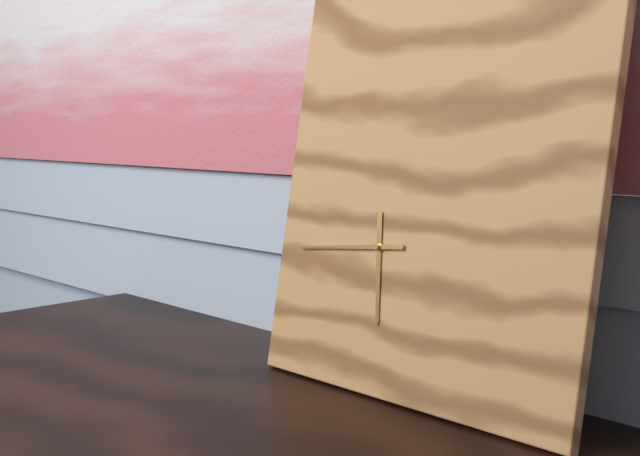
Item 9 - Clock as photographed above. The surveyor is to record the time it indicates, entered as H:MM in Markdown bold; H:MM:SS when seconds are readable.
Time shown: **5:44**
